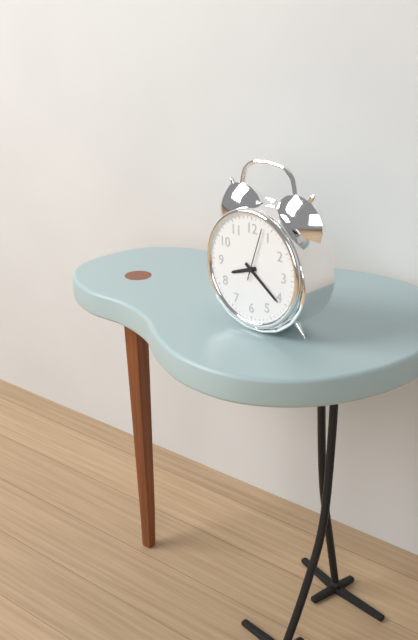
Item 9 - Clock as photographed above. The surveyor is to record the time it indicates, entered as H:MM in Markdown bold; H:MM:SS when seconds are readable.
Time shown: **8:21:03**
